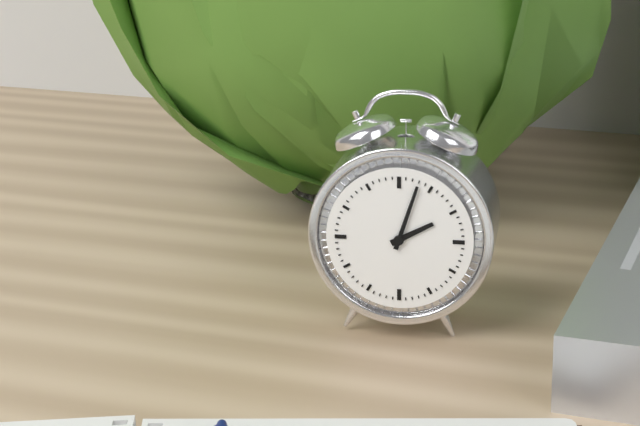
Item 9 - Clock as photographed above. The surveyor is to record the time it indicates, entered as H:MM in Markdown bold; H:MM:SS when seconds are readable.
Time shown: **2:03**
